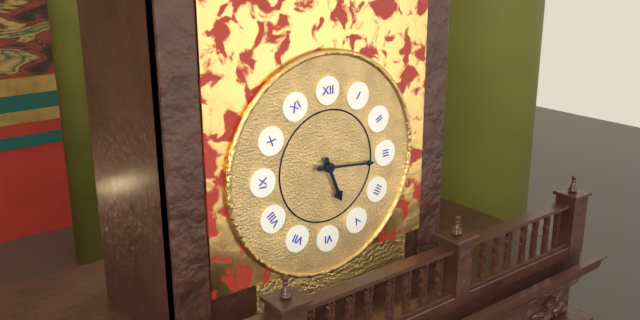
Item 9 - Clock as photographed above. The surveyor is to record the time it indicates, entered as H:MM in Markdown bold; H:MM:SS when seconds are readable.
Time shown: **5:16**
